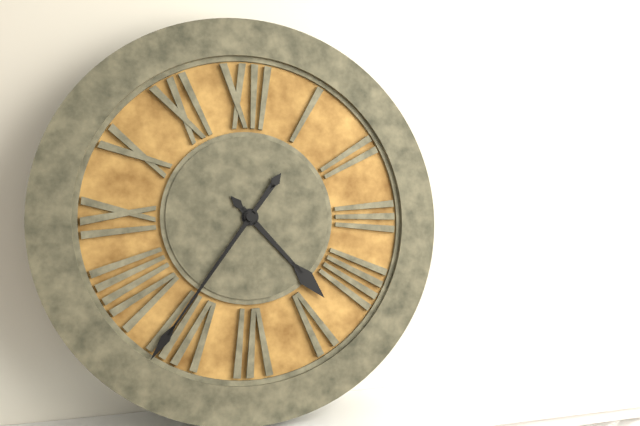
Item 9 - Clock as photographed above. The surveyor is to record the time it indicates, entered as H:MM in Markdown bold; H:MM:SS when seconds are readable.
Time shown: **4:36**
